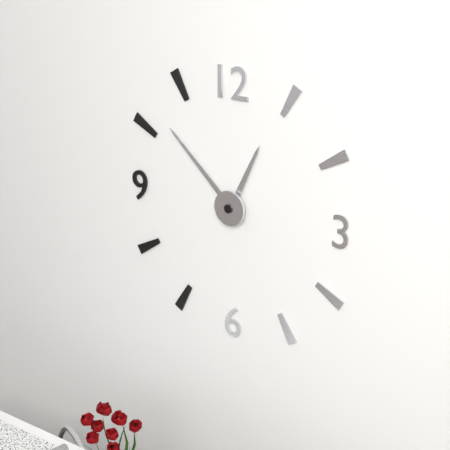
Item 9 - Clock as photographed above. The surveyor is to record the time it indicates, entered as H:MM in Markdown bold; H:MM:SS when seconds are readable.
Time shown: **12:52**
